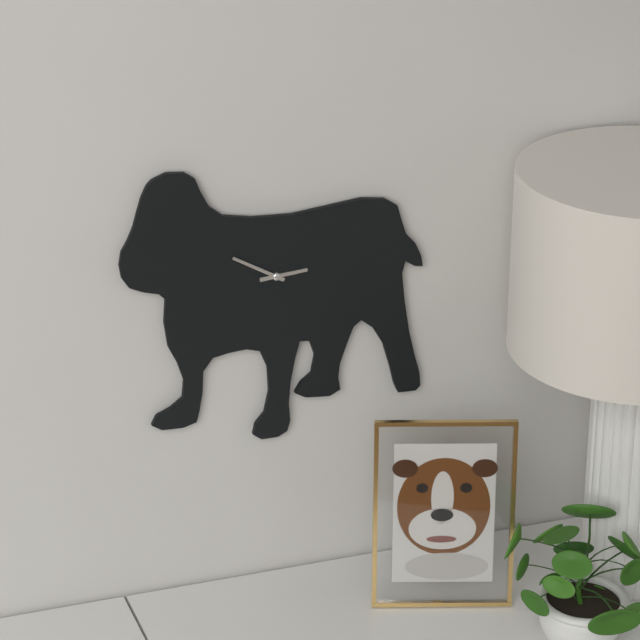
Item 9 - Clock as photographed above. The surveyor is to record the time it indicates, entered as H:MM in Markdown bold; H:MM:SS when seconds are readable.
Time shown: **2:50**
